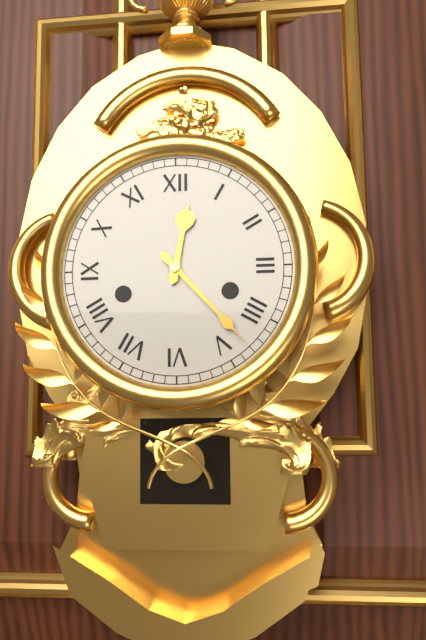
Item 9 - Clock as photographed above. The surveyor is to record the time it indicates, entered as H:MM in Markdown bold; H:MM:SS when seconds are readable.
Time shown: **12:23**
